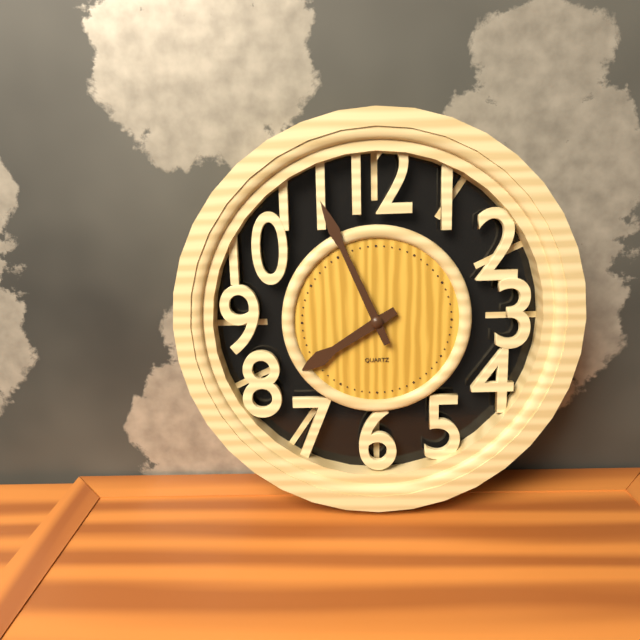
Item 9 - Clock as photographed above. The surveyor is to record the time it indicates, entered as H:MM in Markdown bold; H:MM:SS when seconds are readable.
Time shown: **7:56**
